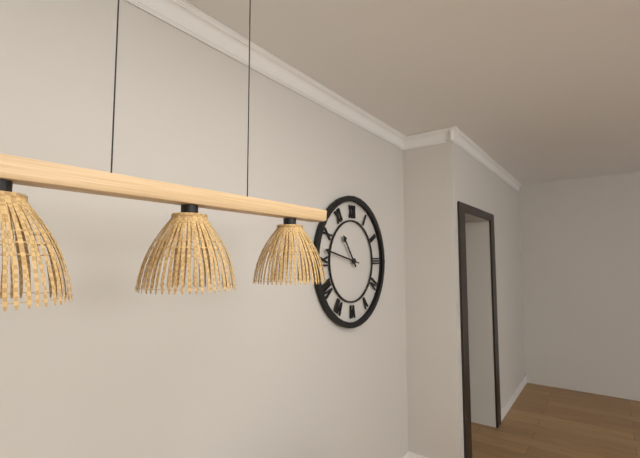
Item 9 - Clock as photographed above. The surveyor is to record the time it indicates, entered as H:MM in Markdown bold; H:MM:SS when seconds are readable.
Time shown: **10:47**
